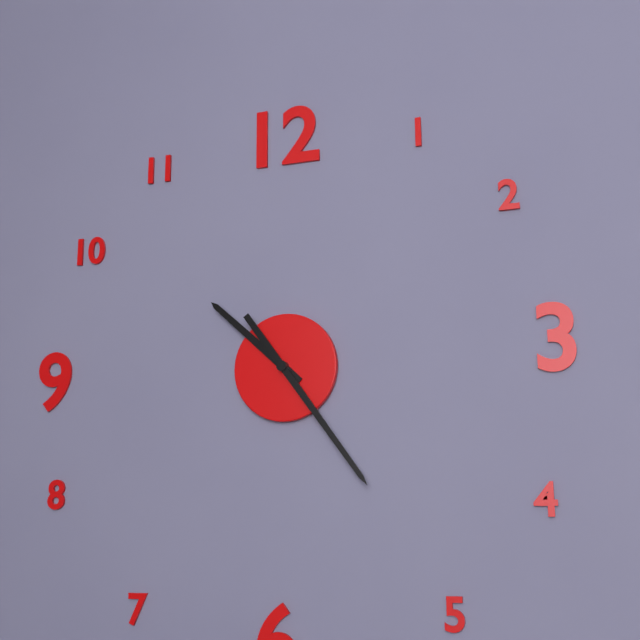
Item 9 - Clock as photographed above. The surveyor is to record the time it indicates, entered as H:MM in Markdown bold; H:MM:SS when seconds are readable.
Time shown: **10:24**
